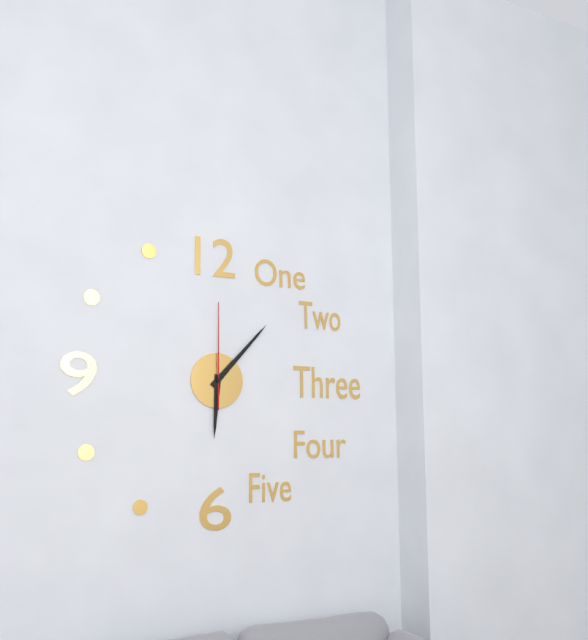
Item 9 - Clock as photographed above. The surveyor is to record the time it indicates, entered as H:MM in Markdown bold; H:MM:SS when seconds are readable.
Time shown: **6:07:00**
